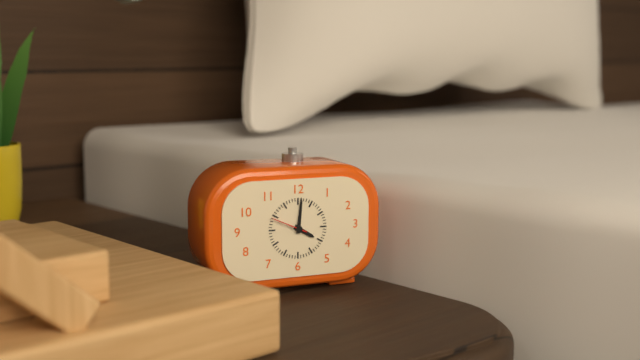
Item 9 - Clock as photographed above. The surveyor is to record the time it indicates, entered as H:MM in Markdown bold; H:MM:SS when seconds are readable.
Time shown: **4:01**
